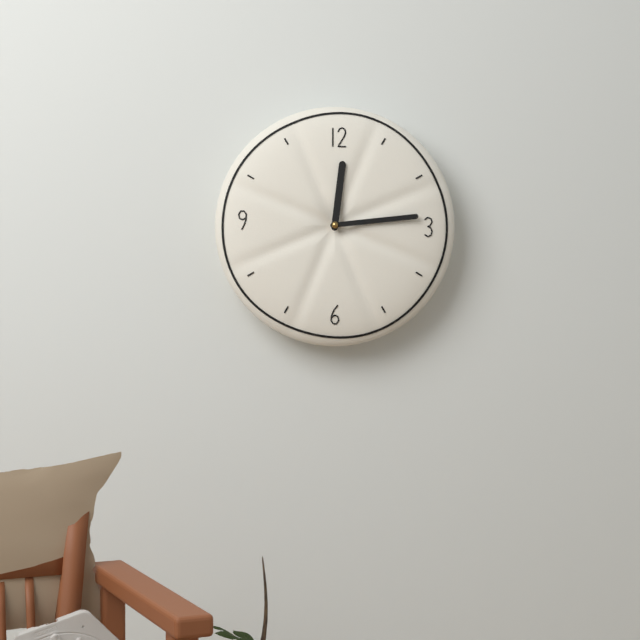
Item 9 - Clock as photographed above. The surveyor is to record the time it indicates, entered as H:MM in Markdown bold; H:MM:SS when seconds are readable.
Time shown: **12:14**
